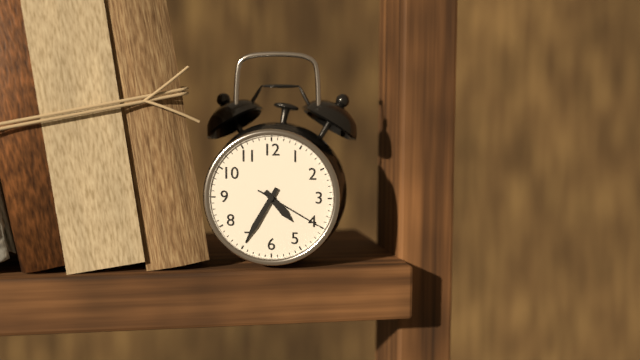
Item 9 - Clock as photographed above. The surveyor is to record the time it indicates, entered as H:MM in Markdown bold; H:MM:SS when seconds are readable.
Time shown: **4:35:20**
